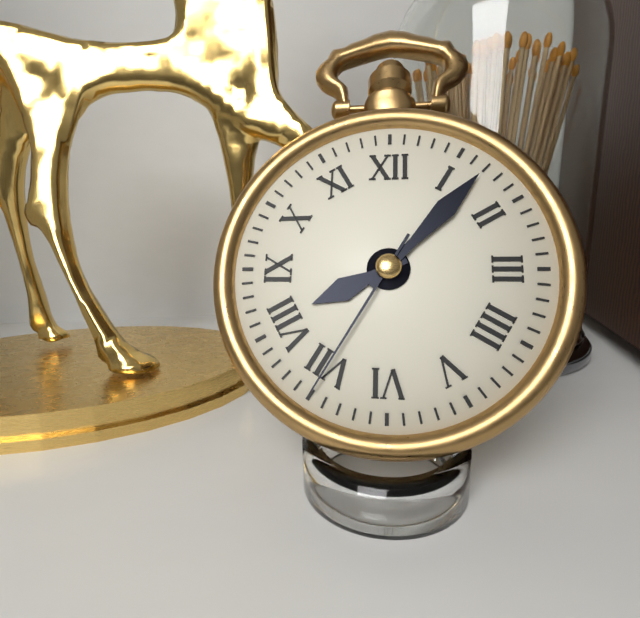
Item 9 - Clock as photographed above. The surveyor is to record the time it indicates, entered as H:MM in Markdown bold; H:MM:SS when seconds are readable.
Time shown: **8:07:35**
